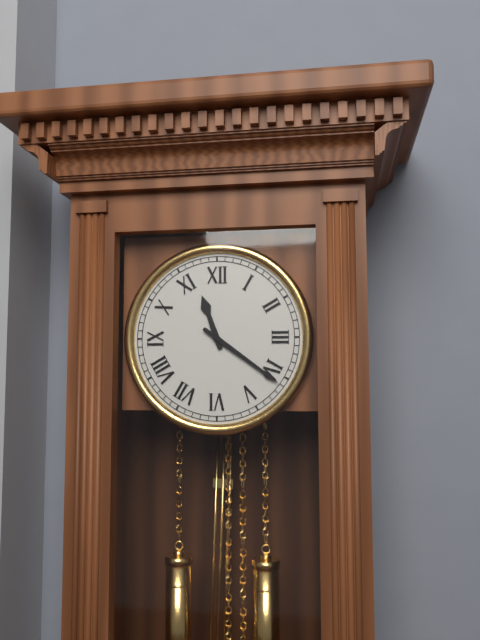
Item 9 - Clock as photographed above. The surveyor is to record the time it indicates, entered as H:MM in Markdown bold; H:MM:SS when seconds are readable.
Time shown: **11:21**
